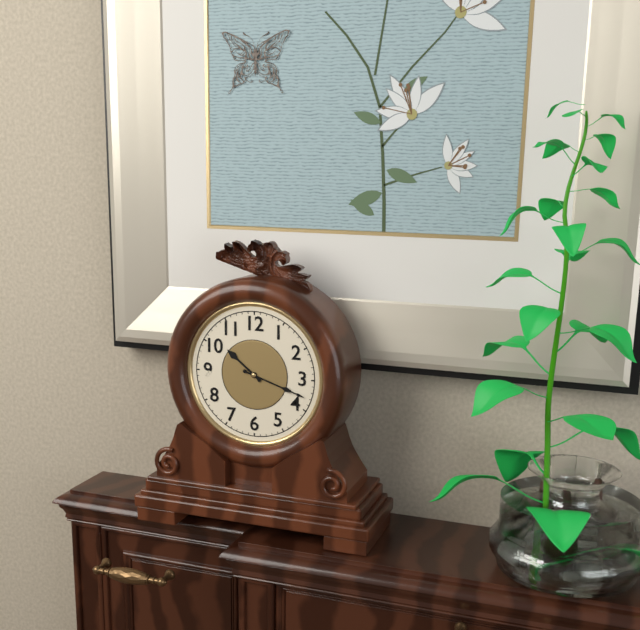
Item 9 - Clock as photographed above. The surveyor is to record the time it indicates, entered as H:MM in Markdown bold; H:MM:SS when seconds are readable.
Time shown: **10:18**
